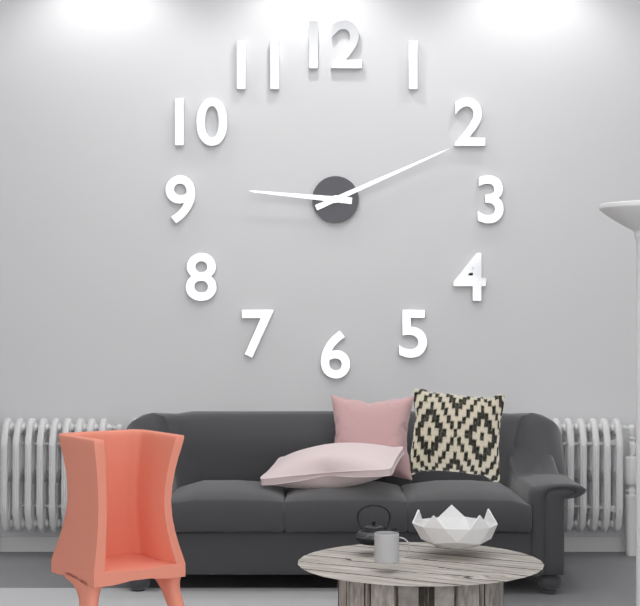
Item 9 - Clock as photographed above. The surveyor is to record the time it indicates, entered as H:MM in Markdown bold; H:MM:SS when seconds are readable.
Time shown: **9:11**
